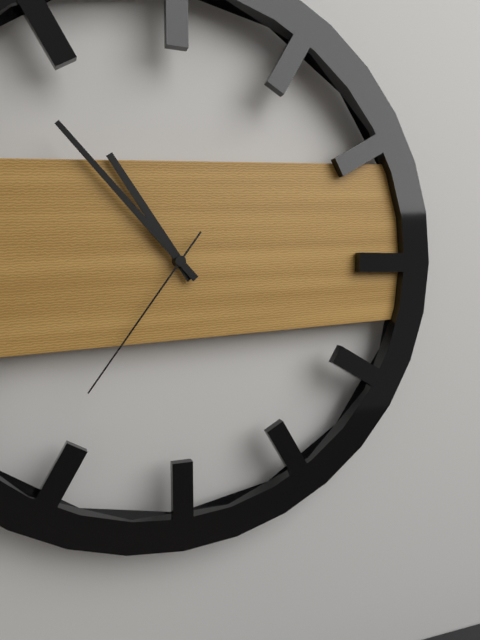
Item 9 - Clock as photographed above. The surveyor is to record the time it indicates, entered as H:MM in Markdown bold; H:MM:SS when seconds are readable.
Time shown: **10:53:36**
